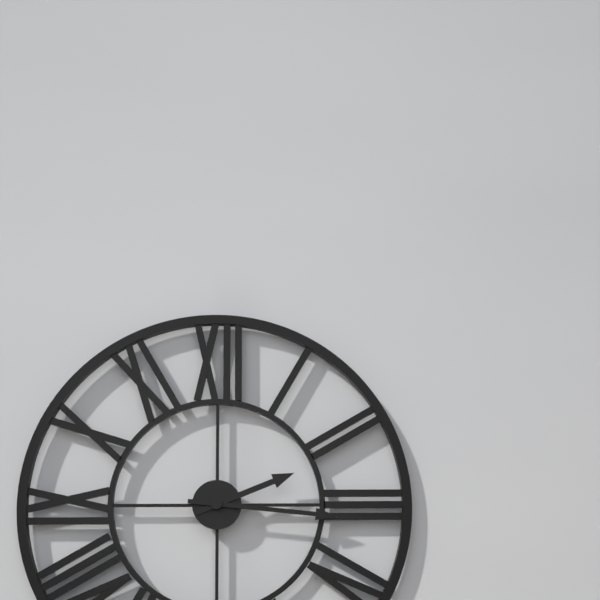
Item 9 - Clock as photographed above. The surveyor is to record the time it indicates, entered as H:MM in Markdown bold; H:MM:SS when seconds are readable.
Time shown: **2:16**
